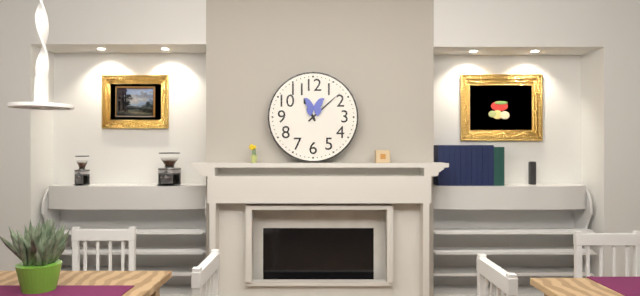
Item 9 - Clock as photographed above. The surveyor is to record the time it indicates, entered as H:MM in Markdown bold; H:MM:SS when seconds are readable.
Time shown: **11:08**
